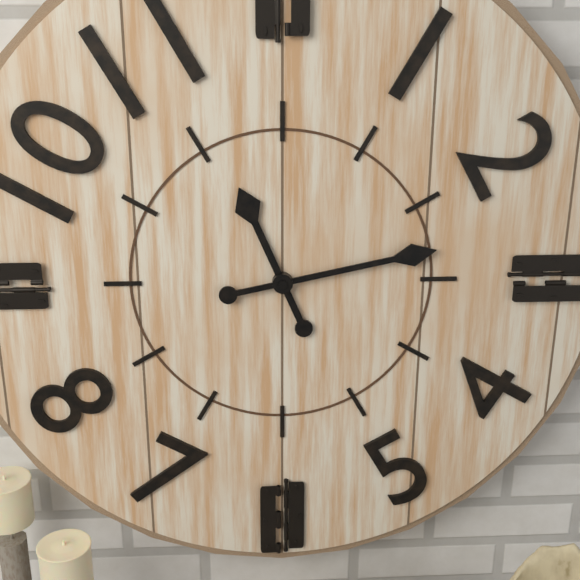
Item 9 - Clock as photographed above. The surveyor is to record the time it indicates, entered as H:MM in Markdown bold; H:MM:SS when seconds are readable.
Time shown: **11:13**
